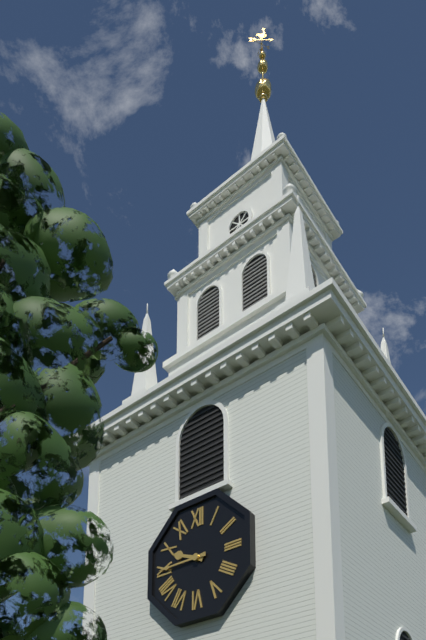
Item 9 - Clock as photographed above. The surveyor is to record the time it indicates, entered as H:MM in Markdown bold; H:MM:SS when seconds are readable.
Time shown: **9:45**
